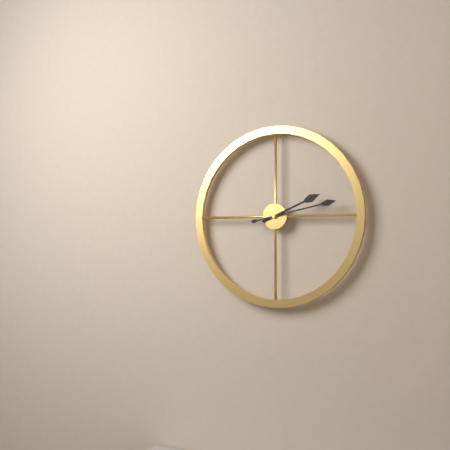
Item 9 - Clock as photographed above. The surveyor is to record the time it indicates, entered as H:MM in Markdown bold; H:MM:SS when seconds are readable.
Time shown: **2:13**
